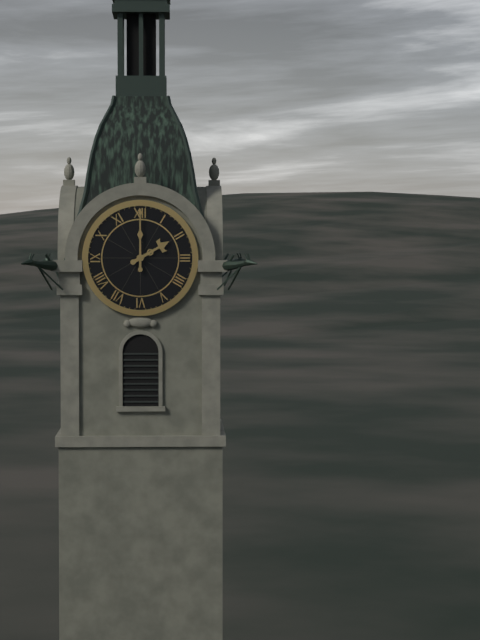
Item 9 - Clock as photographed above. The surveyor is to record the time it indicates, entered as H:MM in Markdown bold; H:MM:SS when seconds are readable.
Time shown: **2:00**
